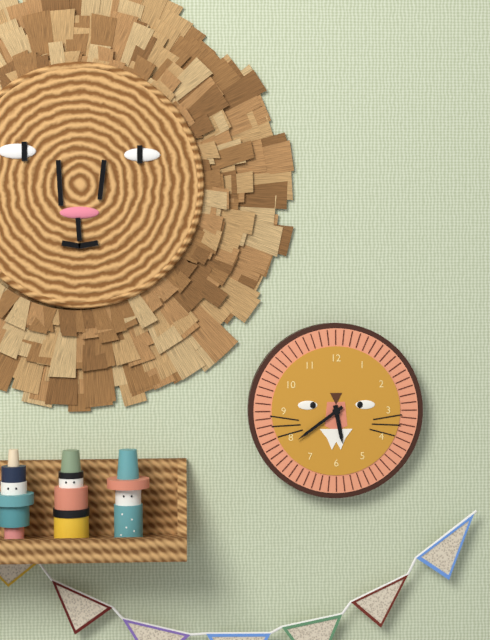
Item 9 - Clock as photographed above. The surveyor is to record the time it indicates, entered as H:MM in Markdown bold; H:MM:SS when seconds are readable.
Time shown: **5:39**
